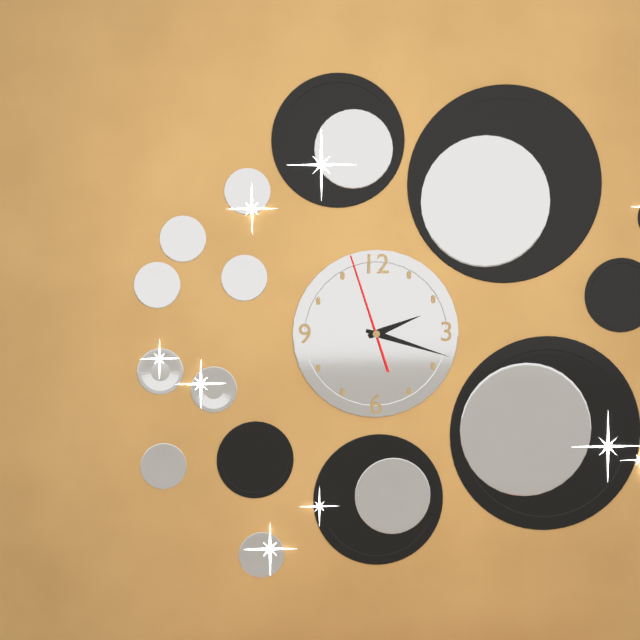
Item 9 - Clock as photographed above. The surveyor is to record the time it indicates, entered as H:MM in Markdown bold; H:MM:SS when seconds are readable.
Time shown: **2:18:57**
